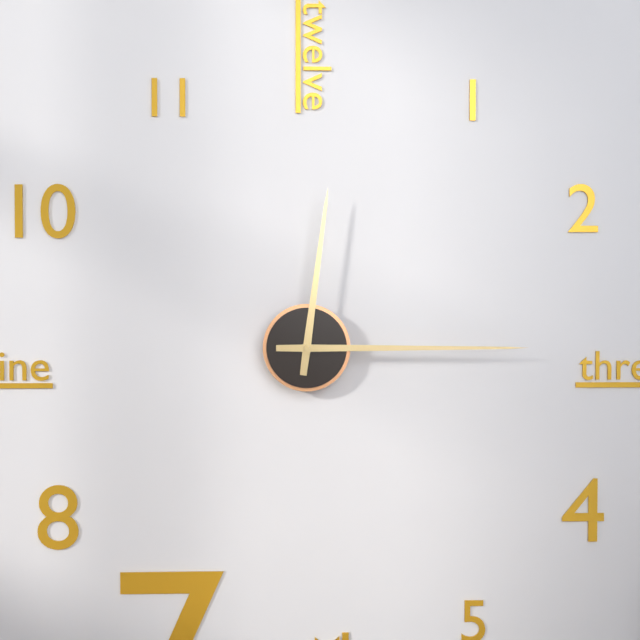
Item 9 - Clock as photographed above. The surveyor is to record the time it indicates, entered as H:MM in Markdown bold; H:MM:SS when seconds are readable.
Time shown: **12:15**
